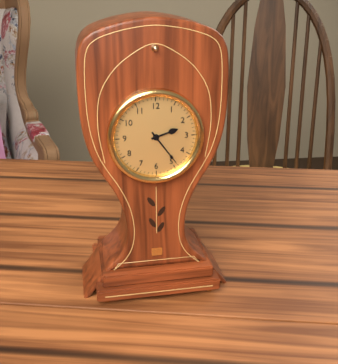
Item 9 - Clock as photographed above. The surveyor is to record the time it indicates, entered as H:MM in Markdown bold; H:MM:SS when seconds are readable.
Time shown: **2:24**
